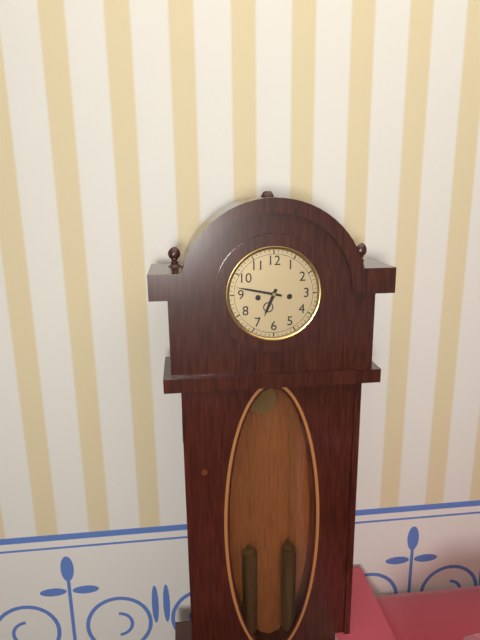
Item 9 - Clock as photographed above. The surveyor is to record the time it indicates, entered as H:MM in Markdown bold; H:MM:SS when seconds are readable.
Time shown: **6:47**
